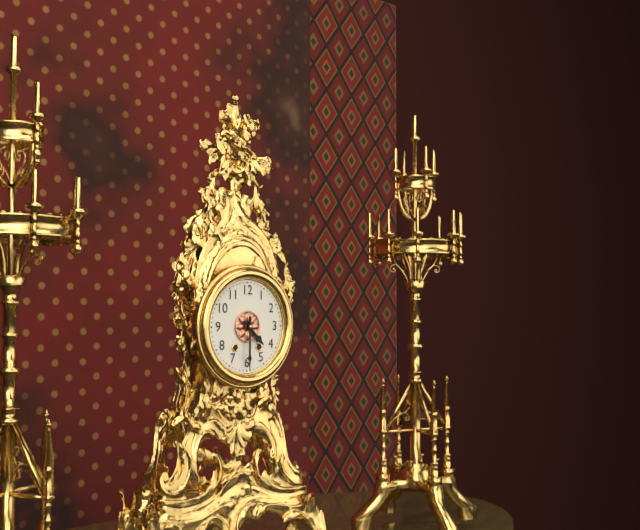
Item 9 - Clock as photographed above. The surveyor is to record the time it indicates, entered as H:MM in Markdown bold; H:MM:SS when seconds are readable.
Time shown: **4:30**
